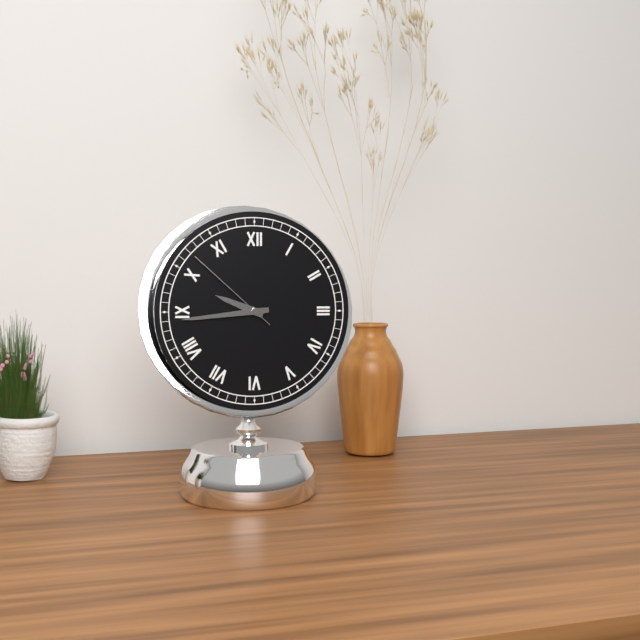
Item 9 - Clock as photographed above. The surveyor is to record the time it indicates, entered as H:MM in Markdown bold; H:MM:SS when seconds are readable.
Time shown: **9:44:52**
